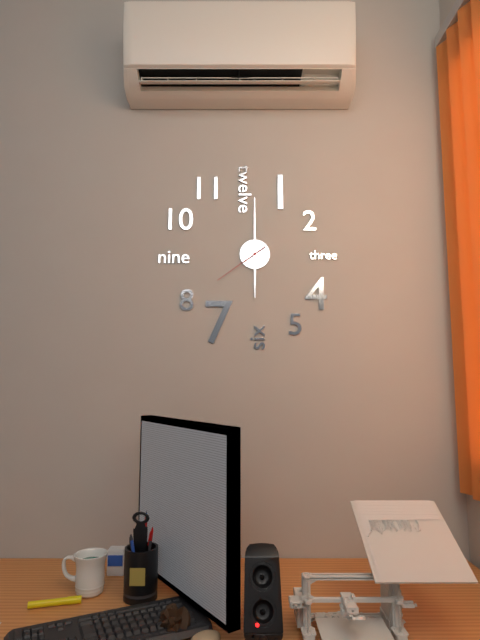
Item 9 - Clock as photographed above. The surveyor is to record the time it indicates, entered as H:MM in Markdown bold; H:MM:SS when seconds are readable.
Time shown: **6:00:39**
